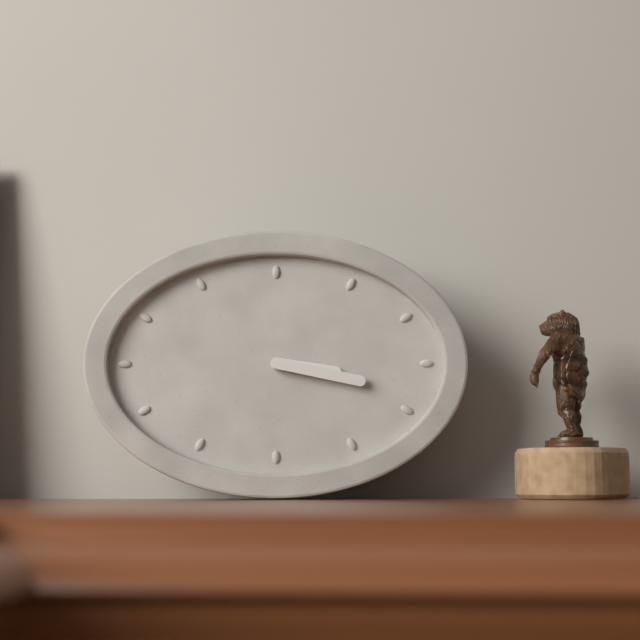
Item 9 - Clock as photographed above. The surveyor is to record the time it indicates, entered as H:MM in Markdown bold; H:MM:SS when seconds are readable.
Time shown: **3:17**
